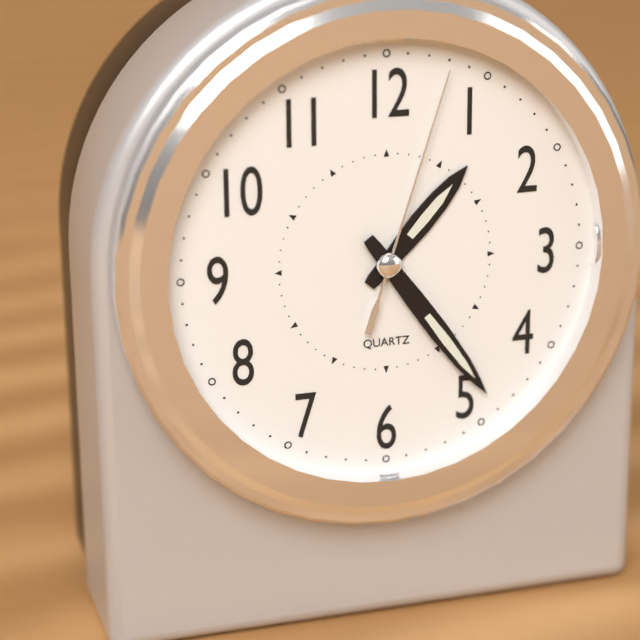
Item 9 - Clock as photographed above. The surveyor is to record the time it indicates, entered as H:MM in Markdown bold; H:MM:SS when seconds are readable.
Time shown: **1:24:03**
